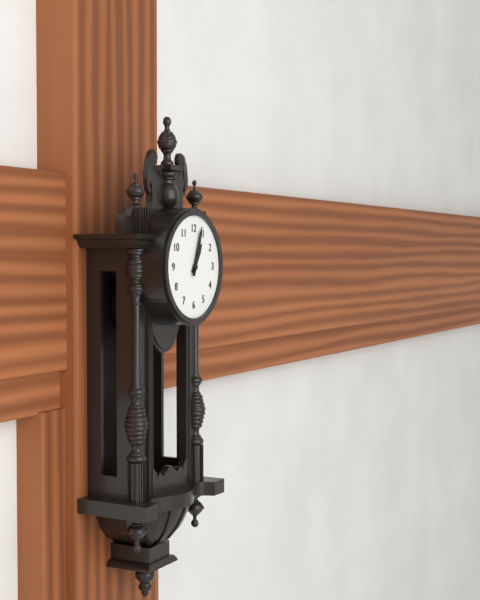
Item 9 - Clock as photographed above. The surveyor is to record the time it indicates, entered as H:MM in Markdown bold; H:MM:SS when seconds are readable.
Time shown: **1:03**
